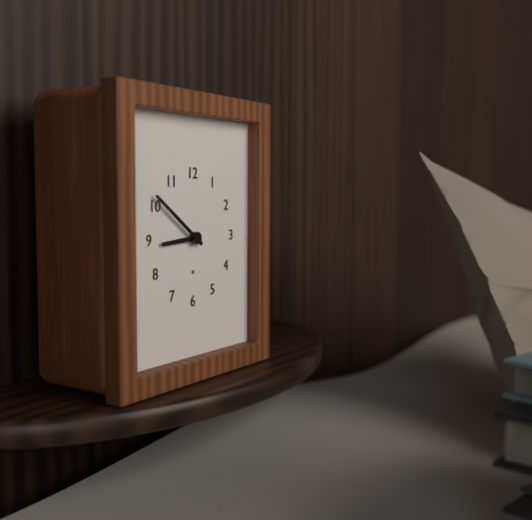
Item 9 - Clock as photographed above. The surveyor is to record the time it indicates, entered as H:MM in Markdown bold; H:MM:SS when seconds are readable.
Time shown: **8:51**
